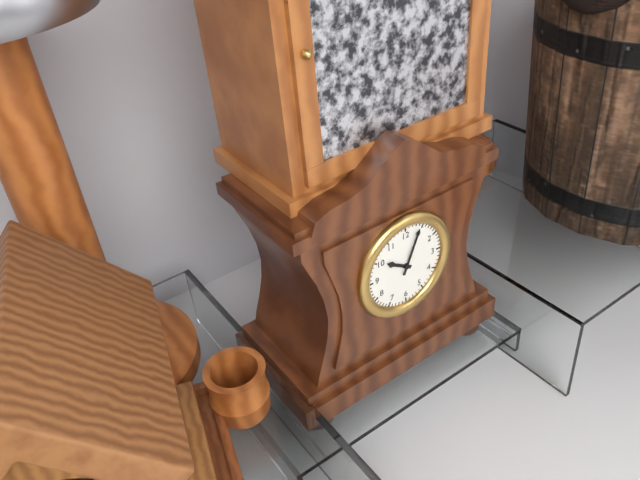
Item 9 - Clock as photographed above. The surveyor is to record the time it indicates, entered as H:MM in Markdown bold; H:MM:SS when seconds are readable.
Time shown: **10:04**
